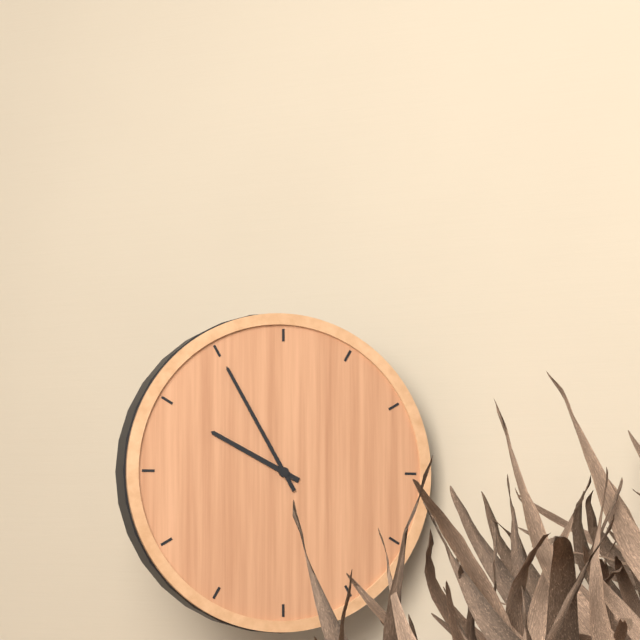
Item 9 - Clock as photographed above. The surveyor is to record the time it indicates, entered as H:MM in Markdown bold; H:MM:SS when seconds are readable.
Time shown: **9:55**
